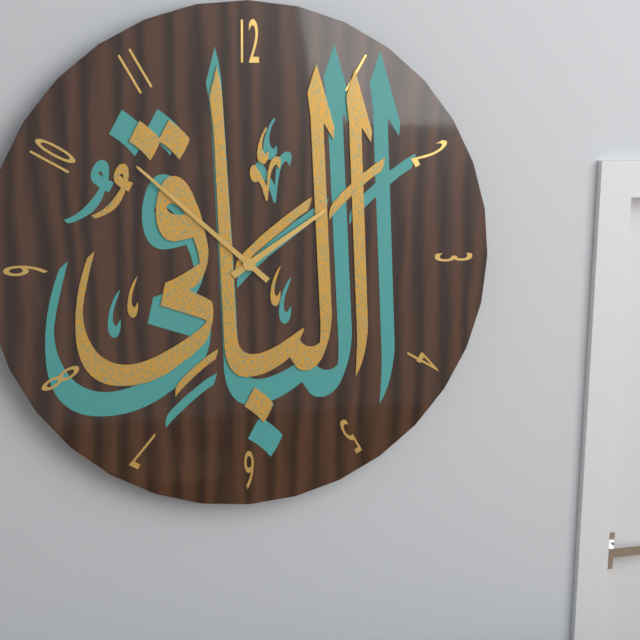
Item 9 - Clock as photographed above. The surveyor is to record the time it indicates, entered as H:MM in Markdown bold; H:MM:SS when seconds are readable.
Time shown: **1:52**
